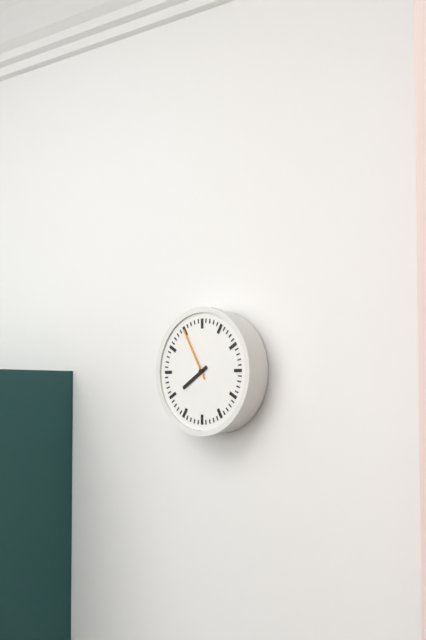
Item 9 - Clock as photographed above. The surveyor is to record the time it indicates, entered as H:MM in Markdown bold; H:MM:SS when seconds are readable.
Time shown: **7:55**
